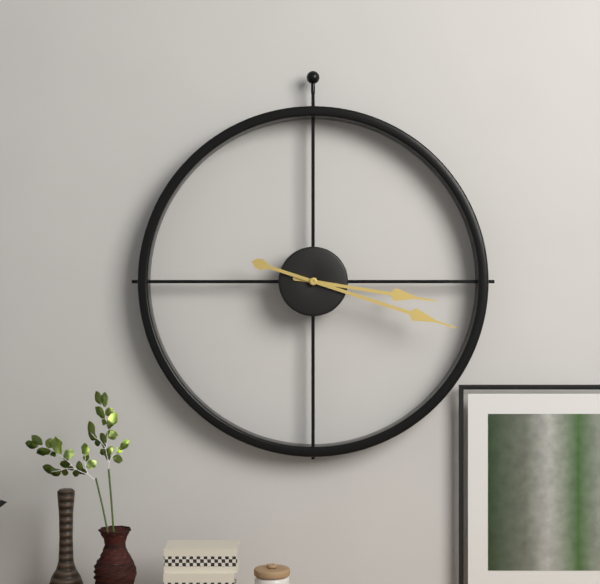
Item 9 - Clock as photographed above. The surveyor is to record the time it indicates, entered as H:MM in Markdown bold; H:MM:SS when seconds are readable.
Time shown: **3:18**
